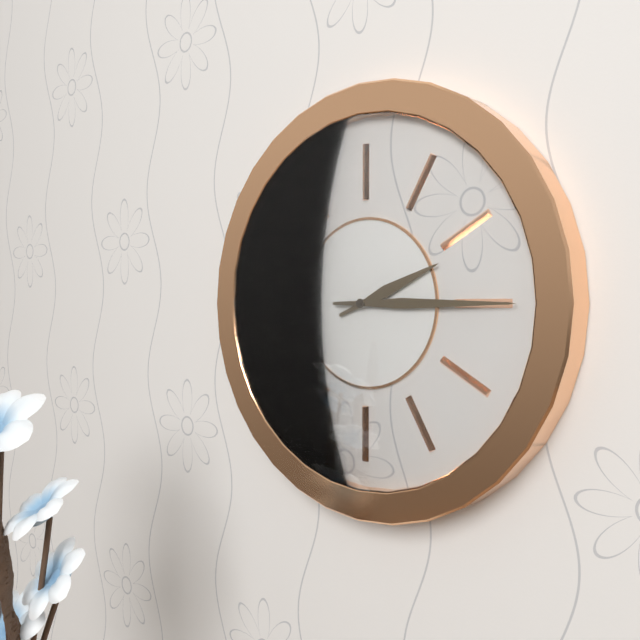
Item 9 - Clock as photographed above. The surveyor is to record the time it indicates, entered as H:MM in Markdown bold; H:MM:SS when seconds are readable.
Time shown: **2:15**
